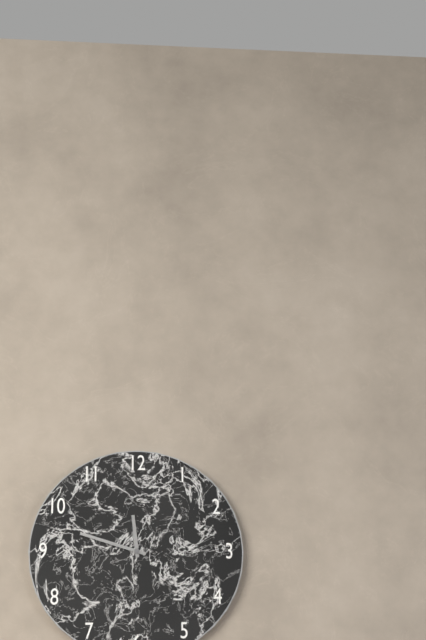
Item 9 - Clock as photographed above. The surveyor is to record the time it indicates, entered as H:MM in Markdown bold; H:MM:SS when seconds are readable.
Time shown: **11:48**
